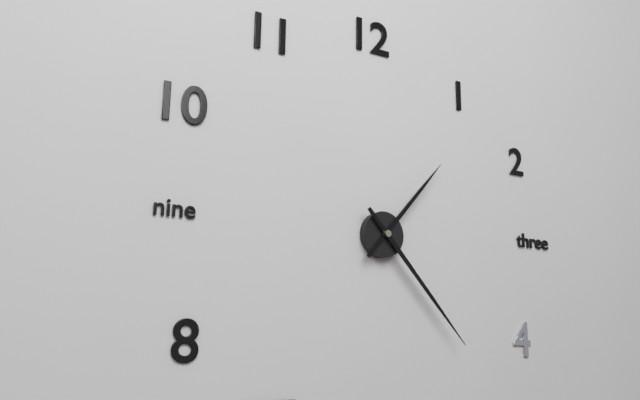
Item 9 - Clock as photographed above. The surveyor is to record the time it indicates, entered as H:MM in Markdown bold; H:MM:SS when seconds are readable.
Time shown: **1:23**
